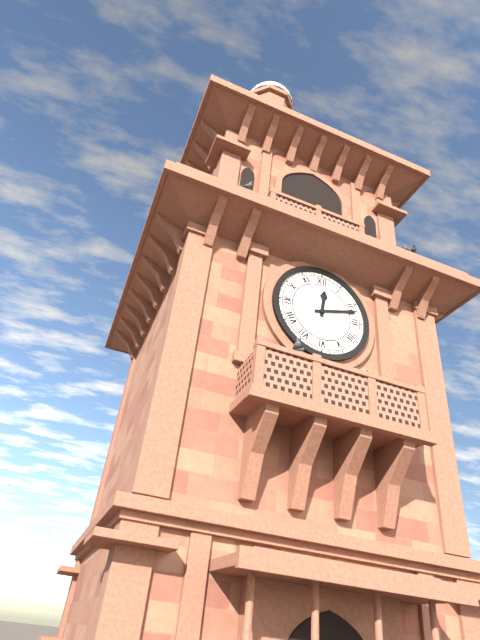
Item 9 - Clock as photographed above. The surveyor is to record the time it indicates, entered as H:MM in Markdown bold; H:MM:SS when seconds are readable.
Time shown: **12:12**
